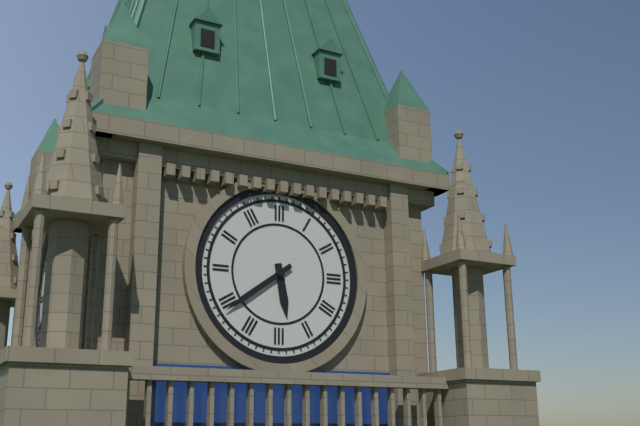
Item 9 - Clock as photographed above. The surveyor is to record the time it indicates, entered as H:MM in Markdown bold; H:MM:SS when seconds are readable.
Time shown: **5:39**
